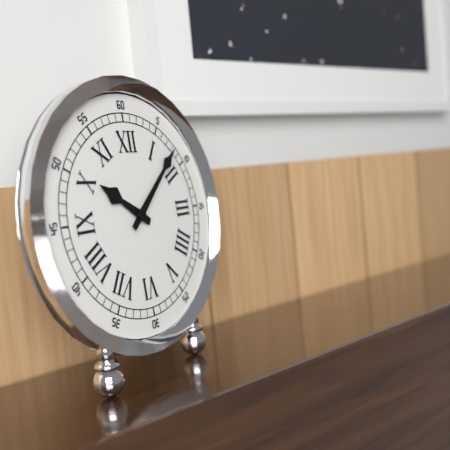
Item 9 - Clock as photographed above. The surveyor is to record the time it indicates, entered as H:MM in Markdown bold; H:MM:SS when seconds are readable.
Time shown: **10:08**
